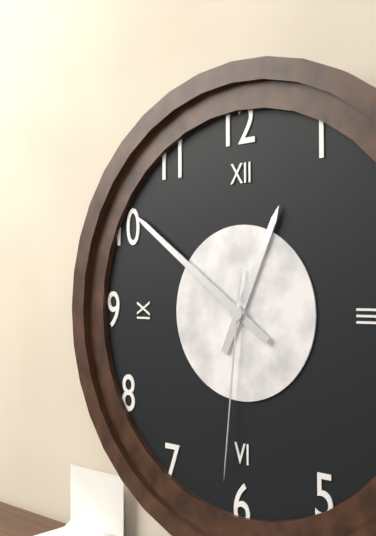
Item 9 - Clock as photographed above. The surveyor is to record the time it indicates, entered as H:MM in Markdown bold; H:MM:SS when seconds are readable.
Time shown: **12:51:31**
